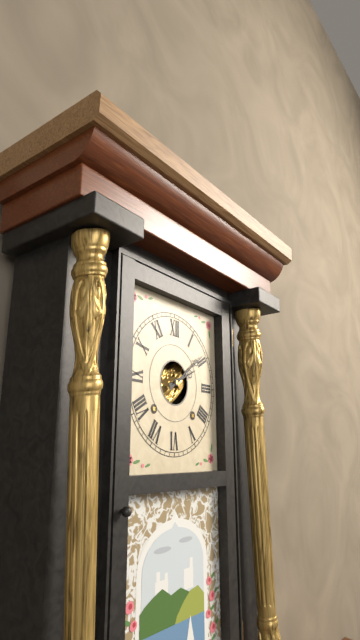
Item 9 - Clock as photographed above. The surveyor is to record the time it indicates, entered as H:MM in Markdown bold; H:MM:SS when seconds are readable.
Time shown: **2:09**
